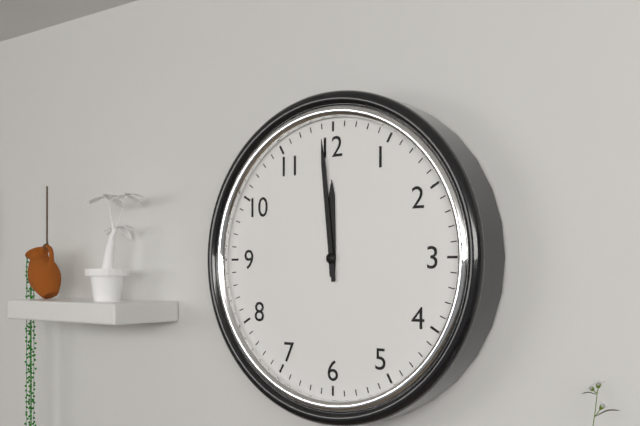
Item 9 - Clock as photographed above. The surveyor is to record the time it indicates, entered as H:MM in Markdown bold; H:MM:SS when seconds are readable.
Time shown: **11:59**
